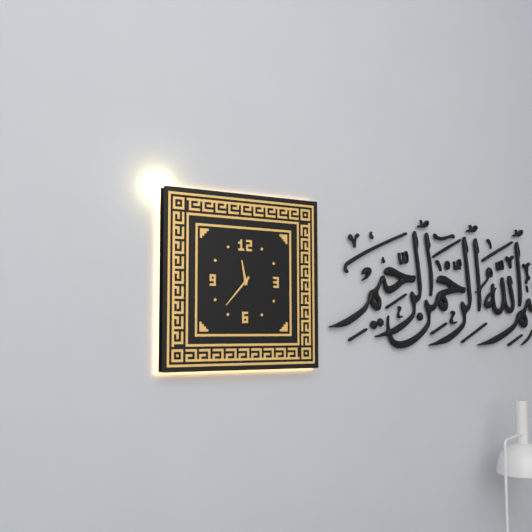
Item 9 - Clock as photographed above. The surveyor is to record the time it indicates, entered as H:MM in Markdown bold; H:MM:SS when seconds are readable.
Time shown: **11:37**
